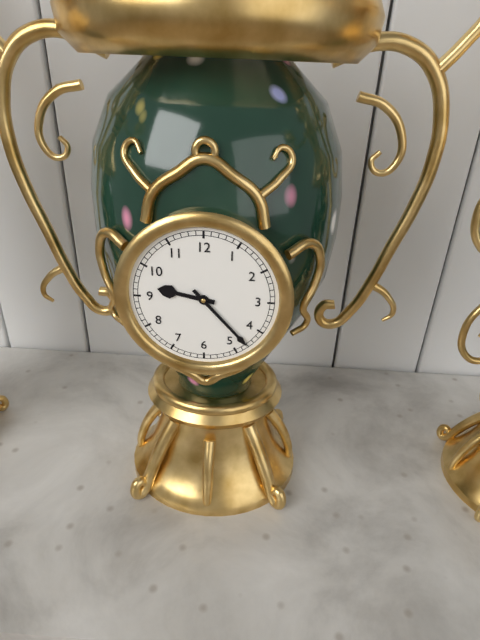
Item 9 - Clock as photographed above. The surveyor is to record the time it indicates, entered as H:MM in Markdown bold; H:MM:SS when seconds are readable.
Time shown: **9:23**
